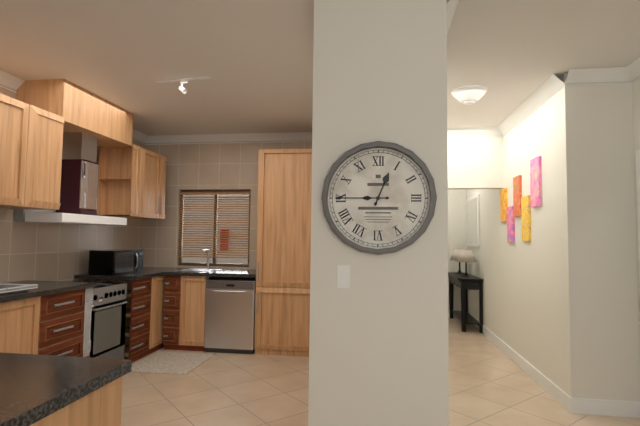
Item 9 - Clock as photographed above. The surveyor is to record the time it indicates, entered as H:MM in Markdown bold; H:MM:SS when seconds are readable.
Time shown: **12:45**
